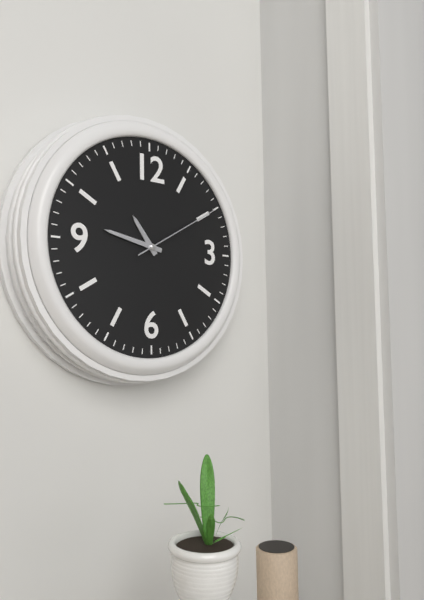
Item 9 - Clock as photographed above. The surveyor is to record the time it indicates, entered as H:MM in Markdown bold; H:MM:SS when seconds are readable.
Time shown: **10:47:10**
